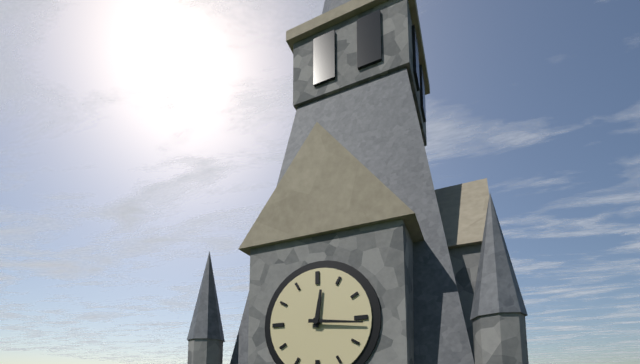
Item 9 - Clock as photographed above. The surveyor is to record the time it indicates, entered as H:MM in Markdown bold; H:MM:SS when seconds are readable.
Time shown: **12:16**
